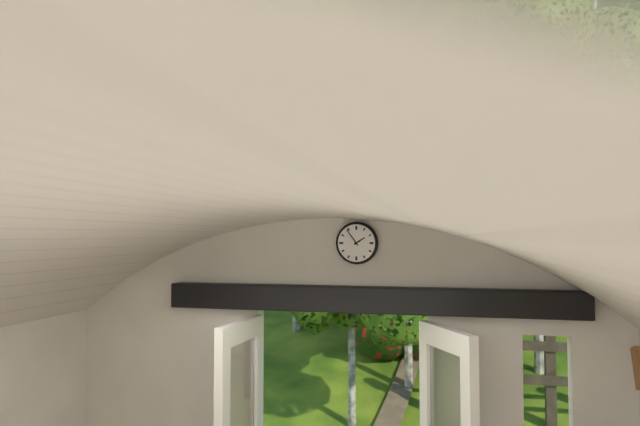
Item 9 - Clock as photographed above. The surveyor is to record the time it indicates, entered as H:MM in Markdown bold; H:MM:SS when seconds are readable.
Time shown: **1:54**
